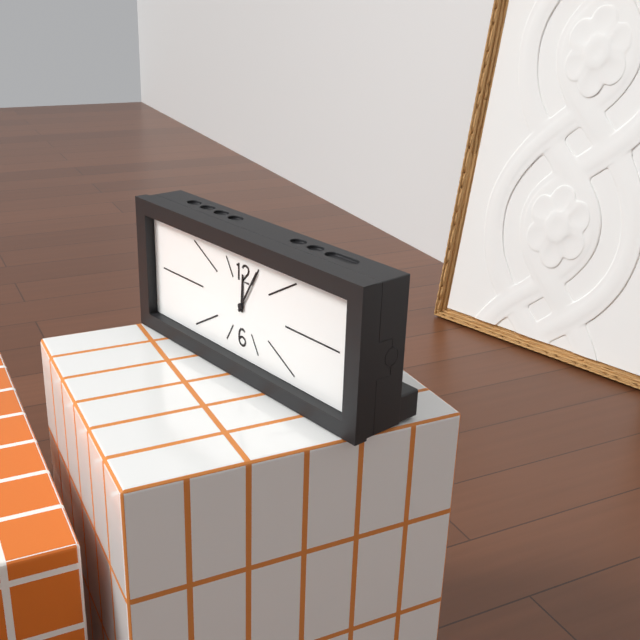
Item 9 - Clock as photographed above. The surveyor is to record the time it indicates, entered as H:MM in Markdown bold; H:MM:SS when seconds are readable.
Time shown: **12:05**
